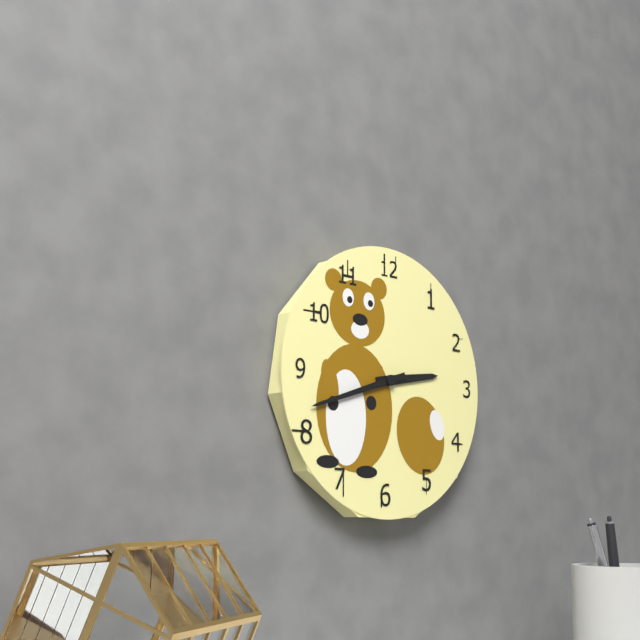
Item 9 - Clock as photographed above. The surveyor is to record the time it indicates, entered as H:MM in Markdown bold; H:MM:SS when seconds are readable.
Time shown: **2:42**
